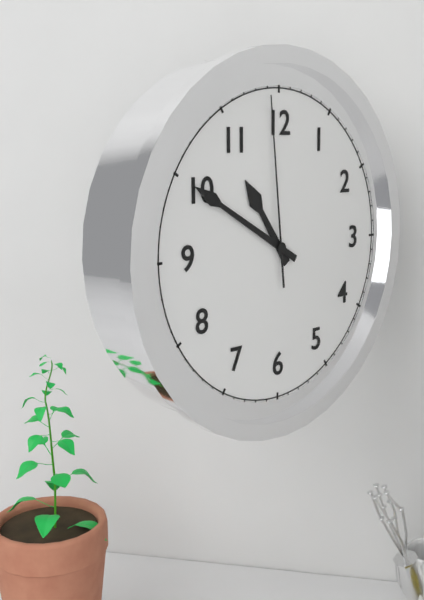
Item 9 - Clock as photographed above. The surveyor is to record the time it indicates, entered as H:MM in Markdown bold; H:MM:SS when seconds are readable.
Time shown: **10:50:59**
